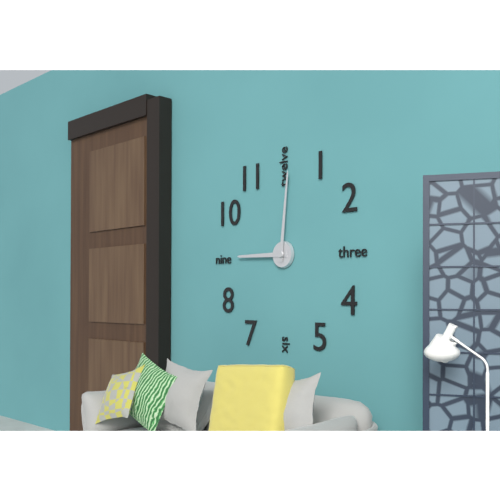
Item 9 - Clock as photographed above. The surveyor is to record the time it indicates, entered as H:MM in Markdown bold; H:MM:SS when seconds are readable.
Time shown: **9:01**
